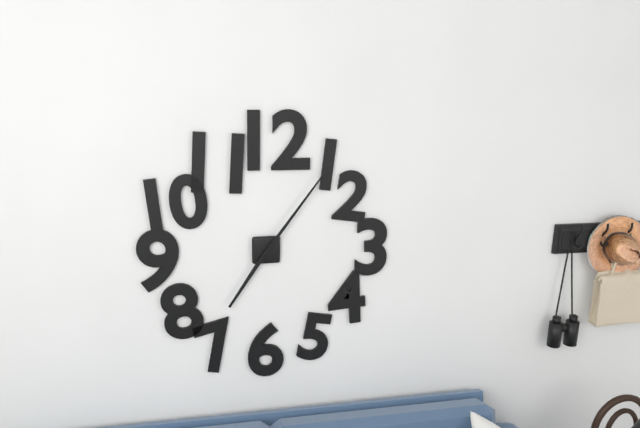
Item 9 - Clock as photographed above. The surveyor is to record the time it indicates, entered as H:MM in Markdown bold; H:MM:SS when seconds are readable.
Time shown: **7:06**
